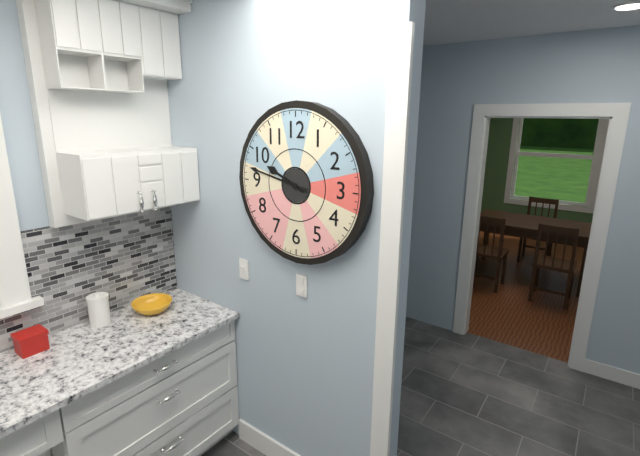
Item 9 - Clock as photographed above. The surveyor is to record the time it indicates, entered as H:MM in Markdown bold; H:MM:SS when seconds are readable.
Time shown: **9:47**
